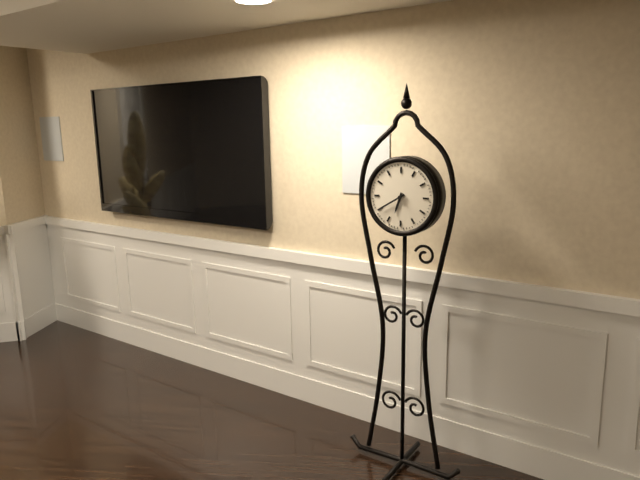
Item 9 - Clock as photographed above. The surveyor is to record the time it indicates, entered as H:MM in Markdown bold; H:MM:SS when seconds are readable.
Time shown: **6:40**
